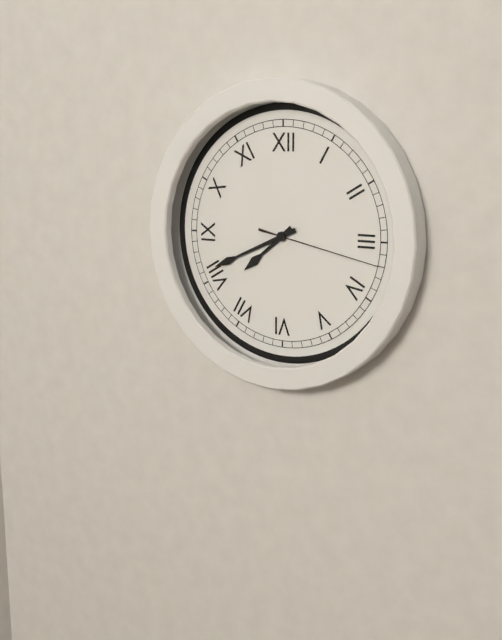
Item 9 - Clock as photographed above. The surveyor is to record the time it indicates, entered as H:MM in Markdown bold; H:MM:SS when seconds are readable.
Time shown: **7:41:17**
